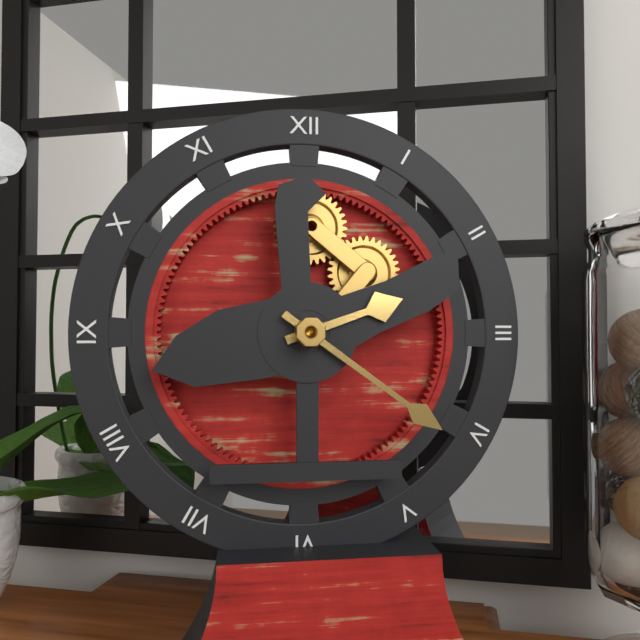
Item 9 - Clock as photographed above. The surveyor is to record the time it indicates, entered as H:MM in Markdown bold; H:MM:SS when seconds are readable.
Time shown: **2:21**
